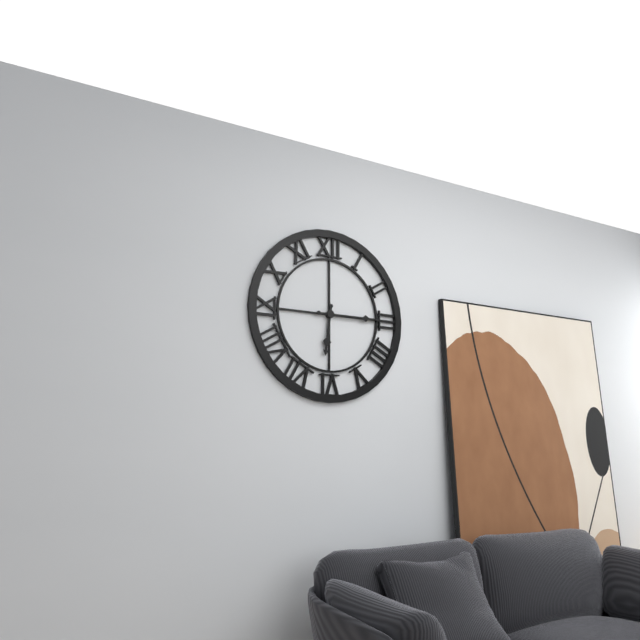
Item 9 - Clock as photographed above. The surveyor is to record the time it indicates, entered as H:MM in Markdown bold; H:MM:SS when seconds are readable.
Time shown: **6:15**
